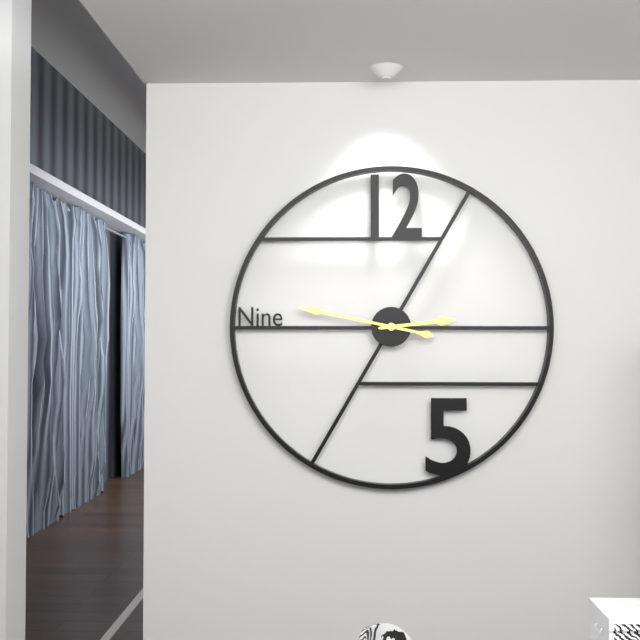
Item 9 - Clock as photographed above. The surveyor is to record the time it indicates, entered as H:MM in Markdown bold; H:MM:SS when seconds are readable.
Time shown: **2:47**
